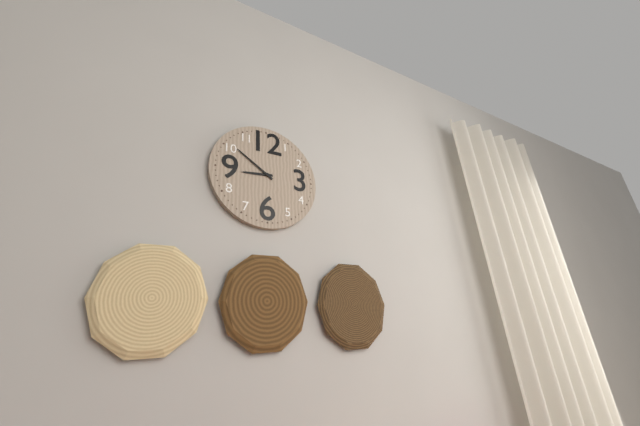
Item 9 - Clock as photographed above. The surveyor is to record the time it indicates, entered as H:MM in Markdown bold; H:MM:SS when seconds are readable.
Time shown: **8:51**
